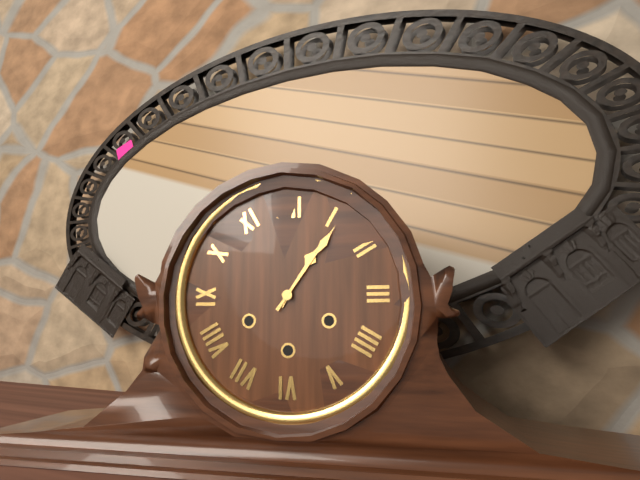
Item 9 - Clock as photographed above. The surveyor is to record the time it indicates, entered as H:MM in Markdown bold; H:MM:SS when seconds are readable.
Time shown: **1:06**
